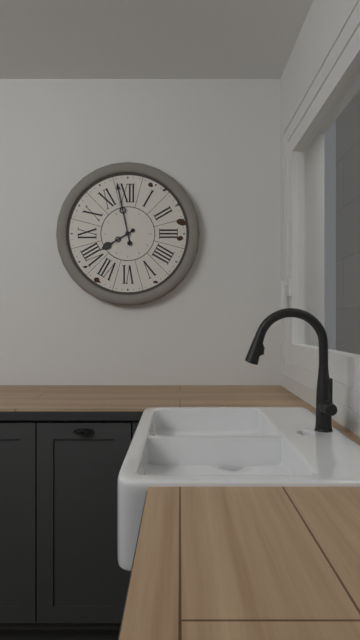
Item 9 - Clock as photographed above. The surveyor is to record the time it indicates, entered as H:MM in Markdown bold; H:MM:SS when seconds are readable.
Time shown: **7:58**
